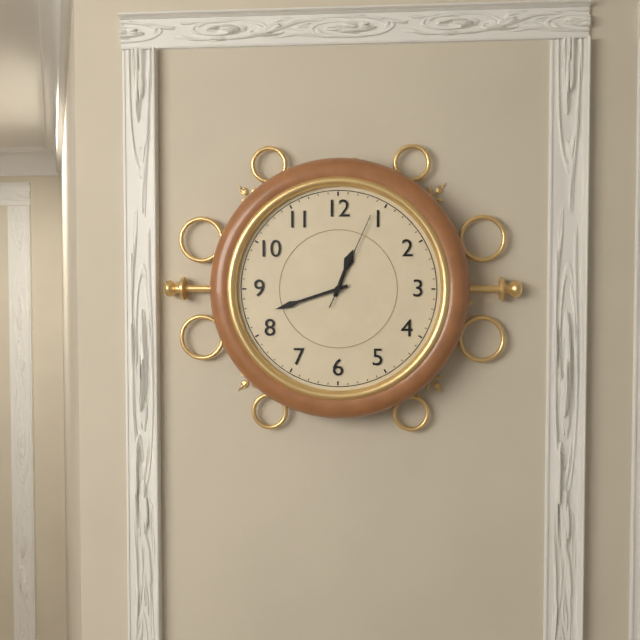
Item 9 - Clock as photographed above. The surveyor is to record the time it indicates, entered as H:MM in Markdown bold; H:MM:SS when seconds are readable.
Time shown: **12:42:04**
